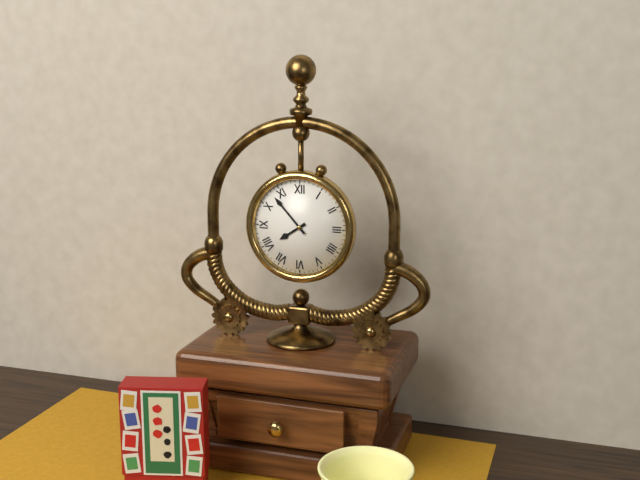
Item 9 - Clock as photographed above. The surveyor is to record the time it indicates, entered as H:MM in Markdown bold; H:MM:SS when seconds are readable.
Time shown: **7:53**
